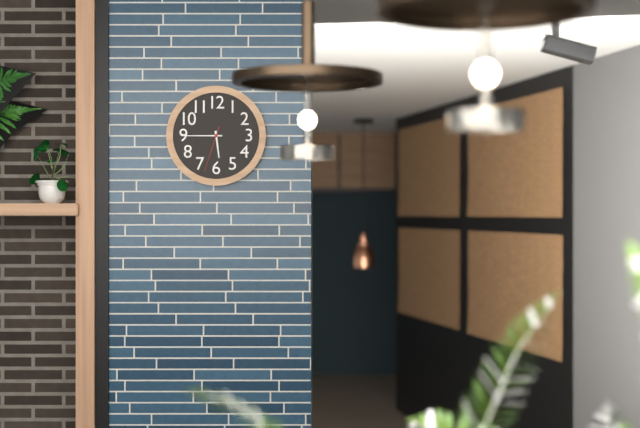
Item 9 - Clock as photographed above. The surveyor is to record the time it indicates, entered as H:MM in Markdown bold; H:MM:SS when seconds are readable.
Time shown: **5:45**
